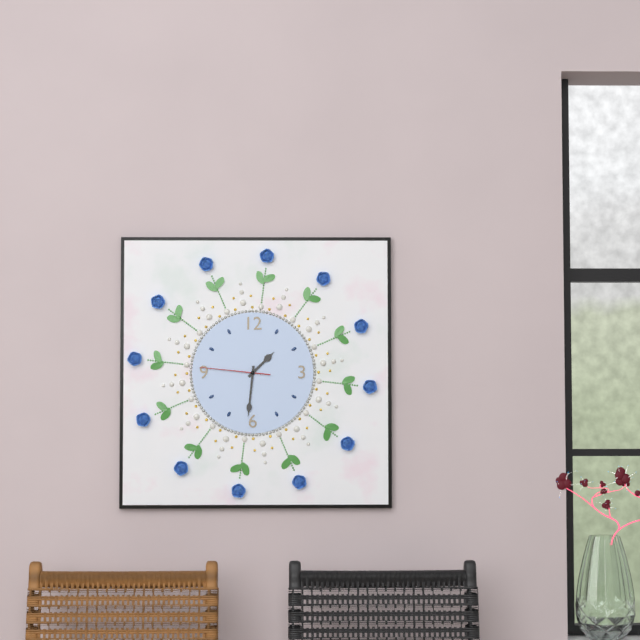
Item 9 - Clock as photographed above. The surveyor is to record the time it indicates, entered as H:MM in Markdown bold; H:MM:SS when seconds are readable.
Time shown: **1:31:46**
